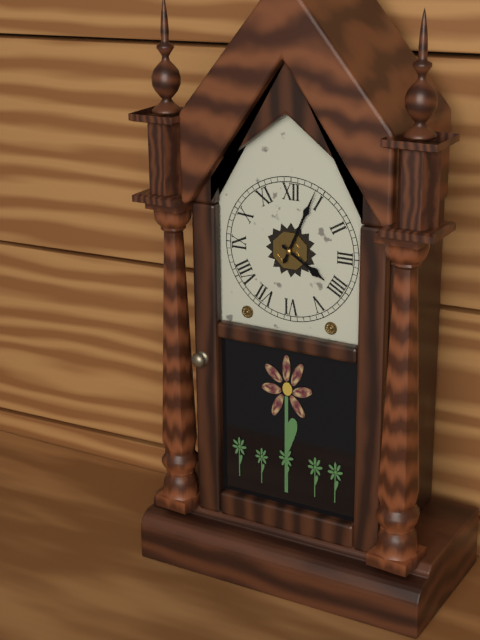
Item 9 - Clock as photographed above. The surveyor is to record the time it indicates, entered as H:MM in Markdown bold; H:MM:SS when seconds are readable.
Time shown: **4:04**
